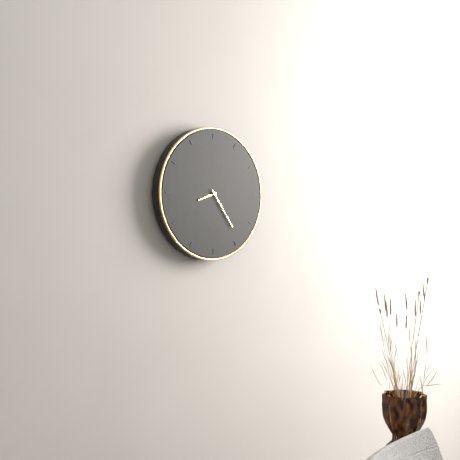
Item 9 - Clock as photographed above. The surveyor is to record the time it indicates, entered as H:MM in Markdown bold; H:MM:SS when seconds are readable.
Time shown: **8:24**
